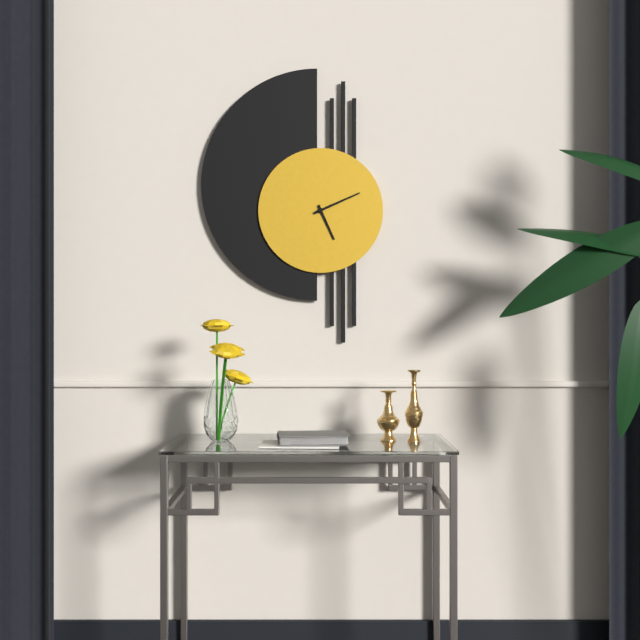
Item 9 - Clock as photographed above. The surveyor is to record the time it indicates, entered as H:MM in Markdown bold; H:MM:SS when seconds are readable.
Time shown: **5:11**
